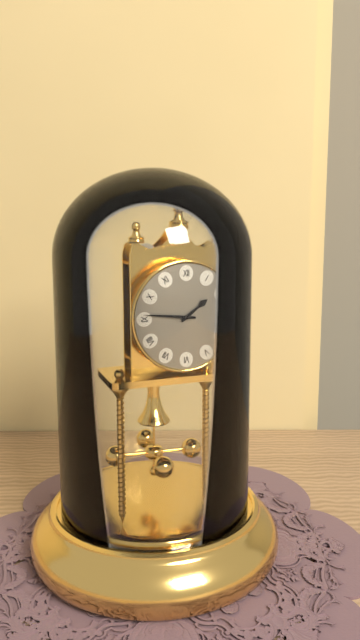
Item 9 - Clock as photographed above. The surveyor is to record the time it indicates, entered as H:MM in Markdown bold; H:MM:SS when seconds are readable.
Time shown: **1:46**
